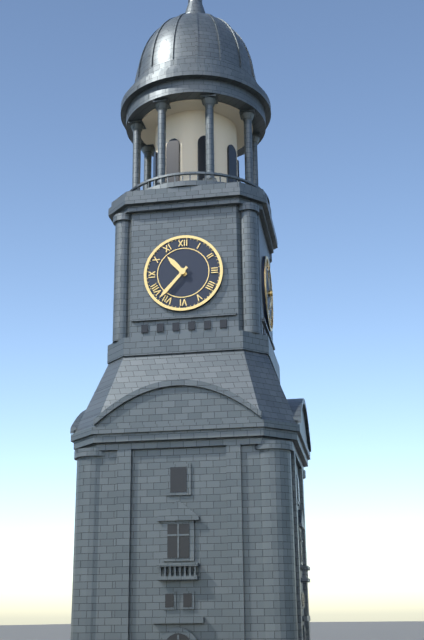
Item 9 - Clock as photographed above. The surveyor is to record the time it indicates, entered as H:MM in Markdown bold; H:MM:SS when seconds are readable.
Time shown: **10:37**
